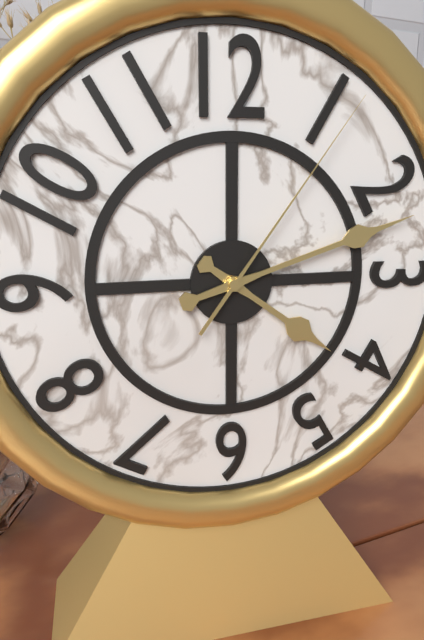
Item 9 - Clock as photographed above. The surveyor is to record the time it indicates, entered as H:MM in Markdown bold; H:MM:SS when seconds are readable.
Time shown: **4:12:06**
